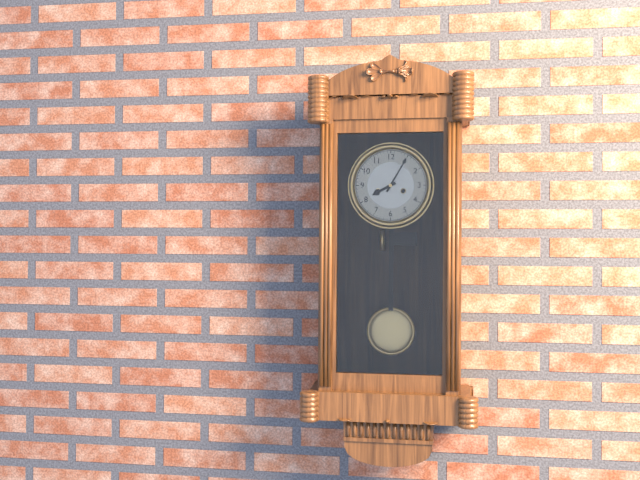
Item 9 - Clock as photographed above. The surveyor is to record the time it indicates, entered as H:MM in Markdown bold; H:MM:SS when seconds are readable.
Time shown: **8:05**
